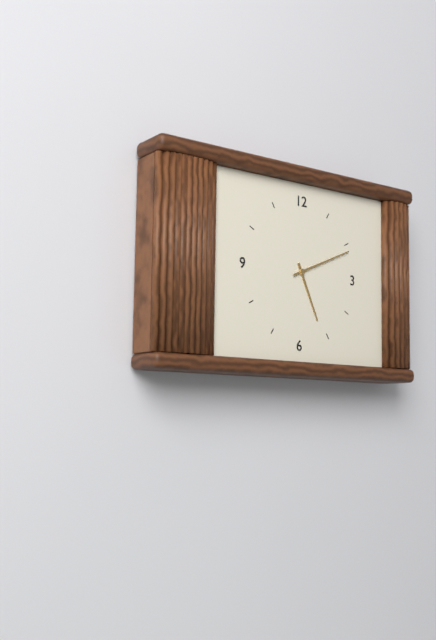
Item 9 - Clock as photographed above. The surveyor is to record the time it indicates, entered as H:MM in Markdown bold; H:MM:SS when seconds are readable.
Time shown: **5:11**
